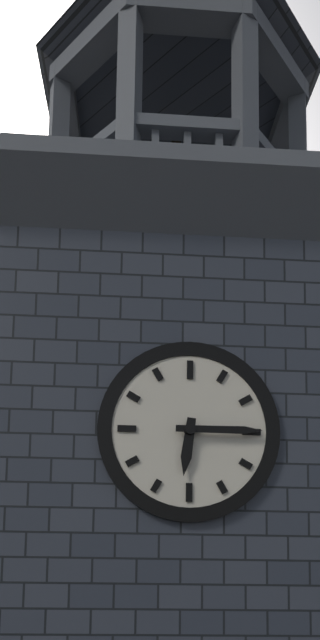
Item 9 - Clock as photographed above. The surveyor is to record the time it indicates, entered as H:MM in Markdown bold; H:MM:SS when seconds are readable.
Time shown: **6:15**
